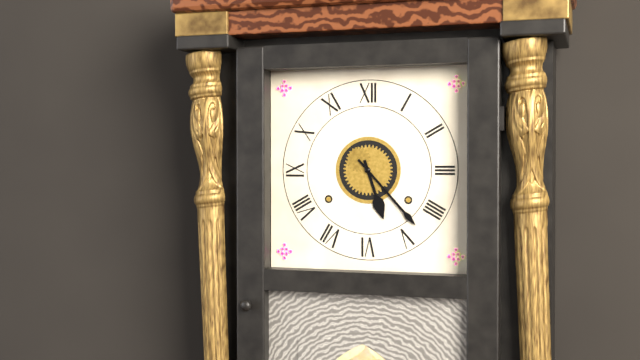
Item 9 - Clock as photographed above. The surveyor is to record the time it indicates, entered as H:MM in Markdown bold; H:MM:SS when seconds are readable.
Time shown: **5:23**
